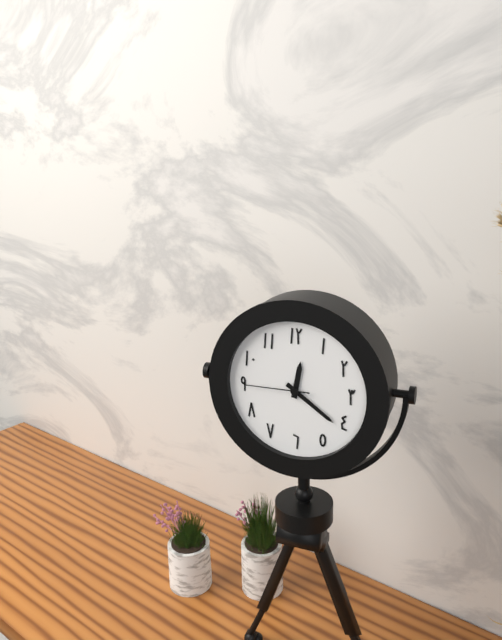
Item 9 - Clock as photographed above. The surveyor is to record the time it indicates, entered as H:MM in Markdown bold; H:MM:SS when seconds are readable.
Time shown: **12:21:45**
